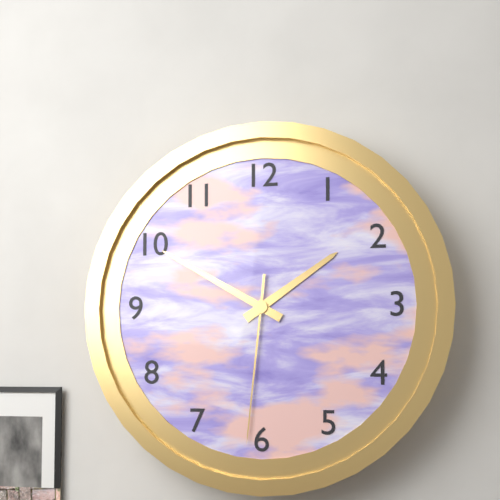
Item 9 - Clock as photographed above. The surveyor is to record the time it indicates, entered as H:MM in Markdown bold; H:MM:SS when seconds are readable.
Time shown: **1:50:31**
